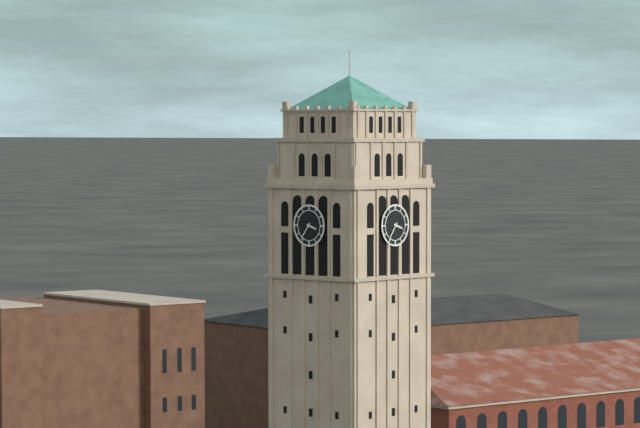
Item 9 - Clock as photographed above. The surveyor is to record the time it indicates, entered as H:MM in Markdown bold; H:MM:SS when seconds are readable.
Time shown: **3:36**
